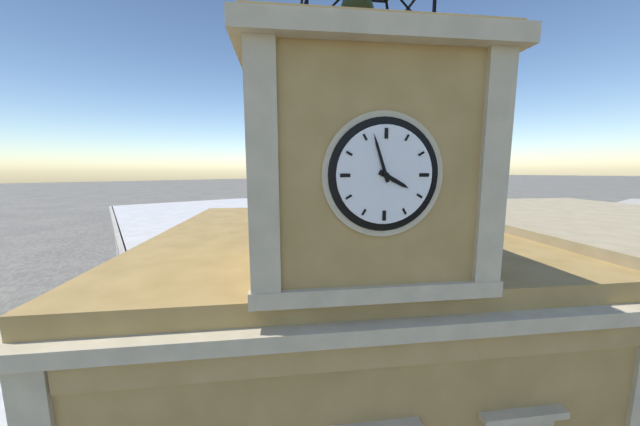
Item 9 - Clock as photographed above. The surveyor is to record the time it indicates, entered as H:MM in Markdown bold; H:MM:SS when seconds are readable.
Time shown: **3:57**
